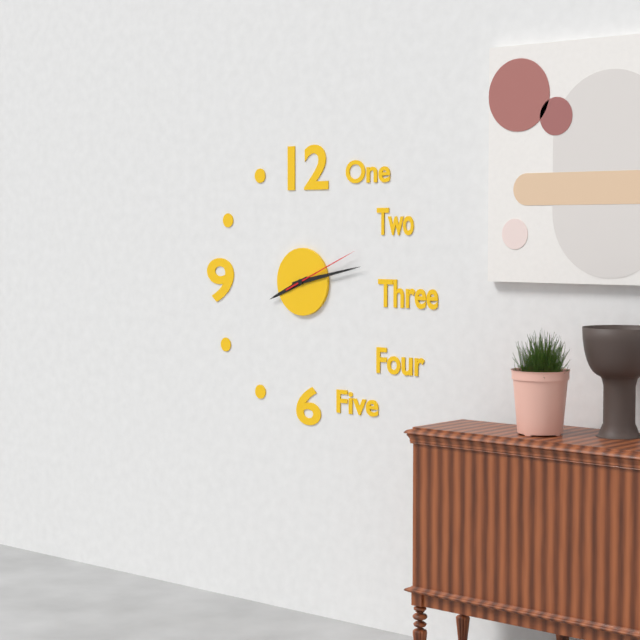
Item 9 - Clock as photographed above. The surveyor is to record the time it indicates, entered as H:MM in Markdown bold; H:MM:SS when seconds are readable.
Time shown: **8:13:11**
